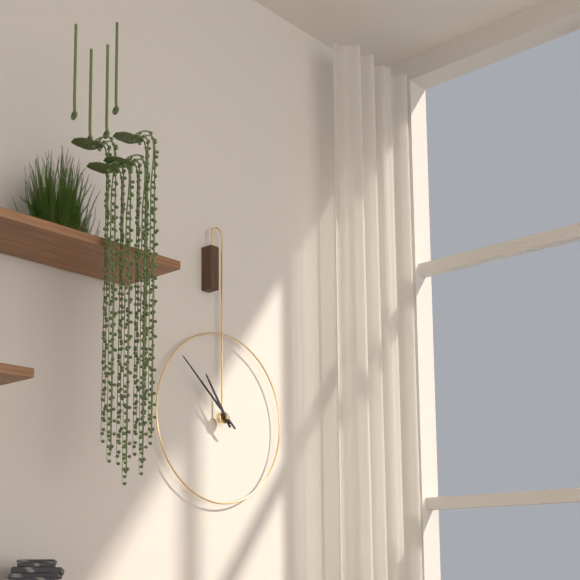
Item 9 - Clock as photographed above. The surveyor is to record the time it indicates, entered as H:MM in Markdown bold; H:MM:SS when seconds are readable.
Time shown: **10:52**
